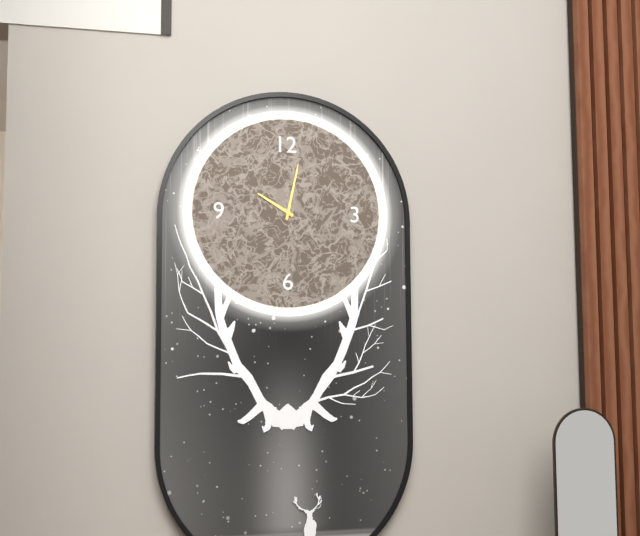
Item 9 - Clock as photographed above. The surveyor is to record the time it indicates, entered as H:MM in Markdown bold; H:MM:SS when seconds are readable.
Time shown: **10:02**
